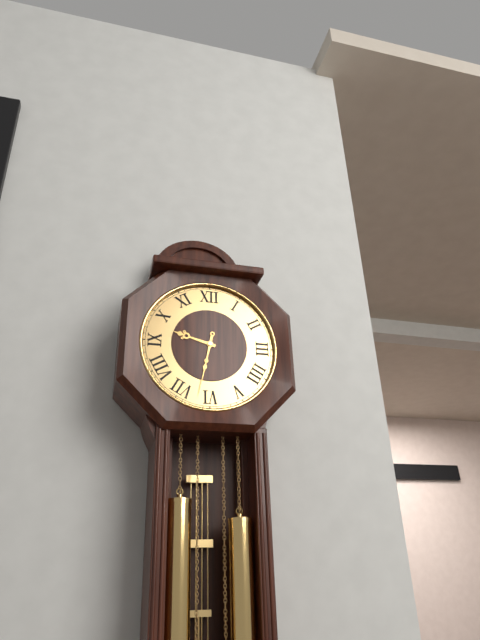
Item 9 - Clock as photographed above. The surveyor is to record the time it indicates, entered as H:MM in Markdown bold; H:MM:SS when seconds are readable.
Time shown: **9:32**
